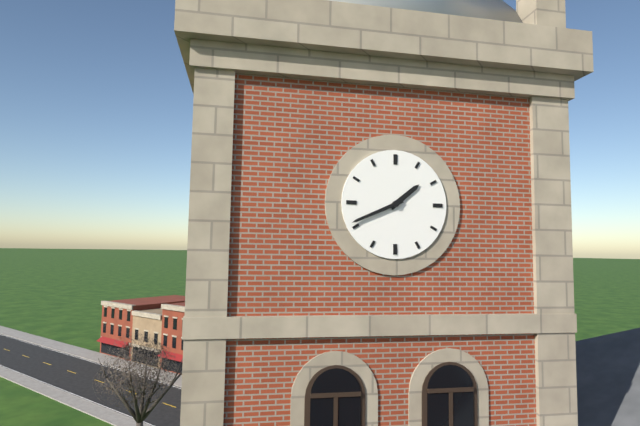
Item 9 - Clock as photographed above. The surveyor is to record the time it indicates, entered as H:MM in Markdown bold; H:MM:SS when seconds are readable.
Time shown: **1:41**
